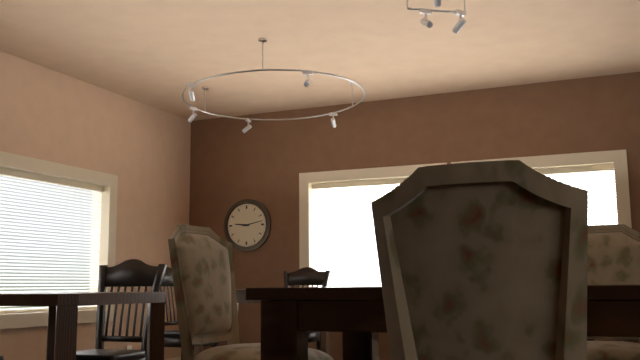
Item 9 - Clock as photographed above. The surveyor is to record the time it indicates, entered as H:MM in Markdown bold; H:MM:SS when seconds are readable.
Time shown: **9:13**
